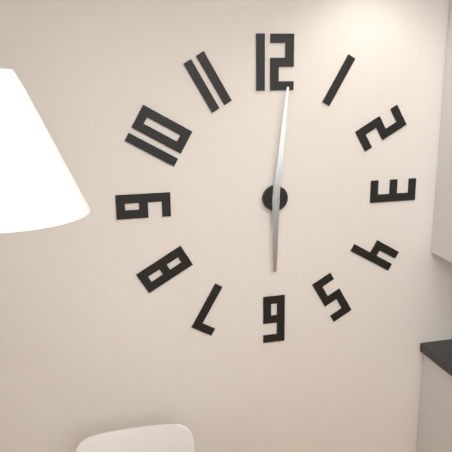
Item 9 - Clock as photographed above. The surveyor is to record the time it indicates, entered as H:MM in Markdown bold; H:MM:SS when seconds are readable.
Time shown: **6:01**
